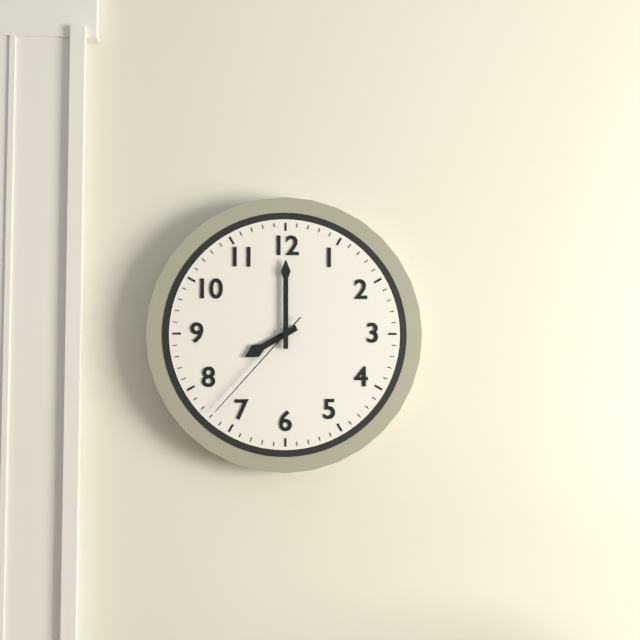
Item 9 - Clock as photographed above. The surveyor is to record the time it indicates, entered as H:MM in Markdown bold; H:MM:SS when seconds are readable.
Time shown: **8:00:37**
